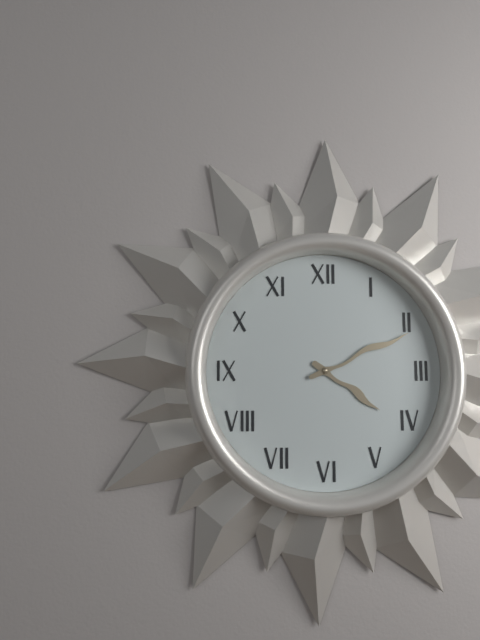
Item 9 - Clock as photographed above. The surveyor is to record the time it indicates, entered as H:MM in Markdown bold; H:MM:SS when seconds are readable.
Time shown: **4:11**
